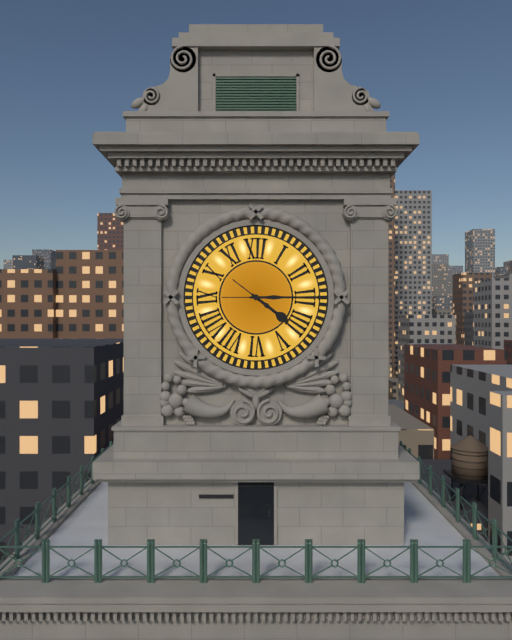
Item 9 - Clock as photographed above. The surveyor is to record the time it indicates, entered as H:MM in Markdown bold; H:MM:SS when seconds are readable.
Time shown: **4:15**
